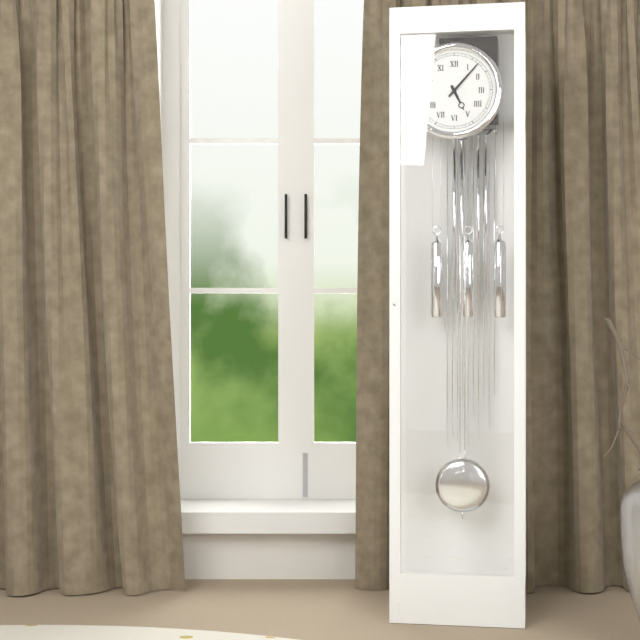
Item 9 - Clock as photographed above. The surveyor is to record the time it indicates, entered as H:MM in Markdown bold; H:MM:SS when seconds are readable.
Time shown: **5:07**
